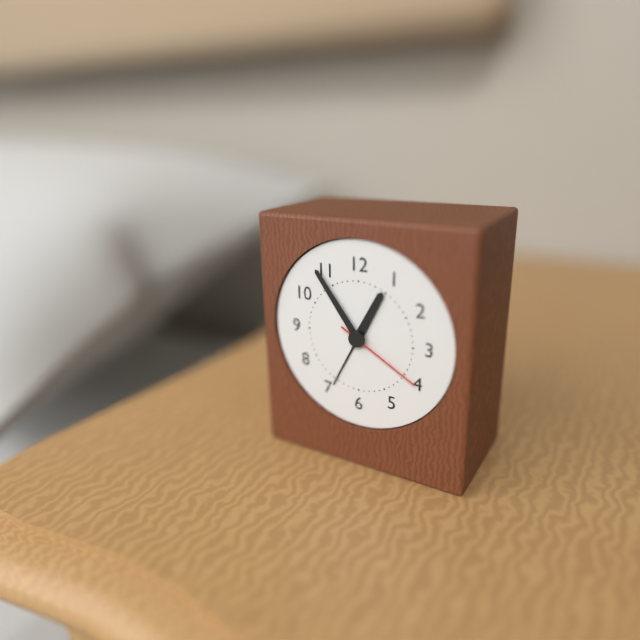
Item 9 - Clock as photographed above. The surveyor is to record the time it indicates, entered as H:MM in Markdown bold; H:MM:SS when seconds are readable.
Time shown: **12:54:20**
